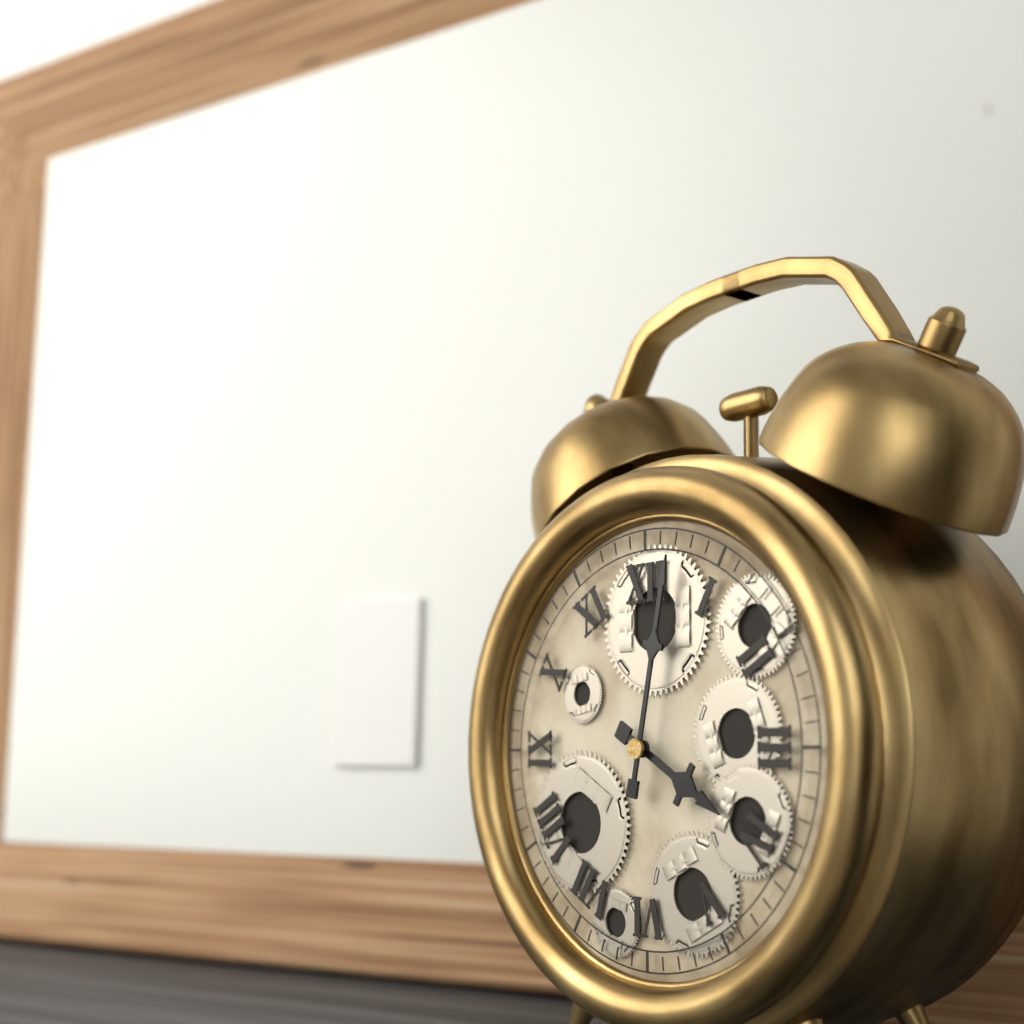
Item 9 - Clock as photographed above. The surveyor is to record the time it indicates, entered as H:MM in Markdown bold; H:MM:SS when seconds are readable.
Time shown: **4:02**
